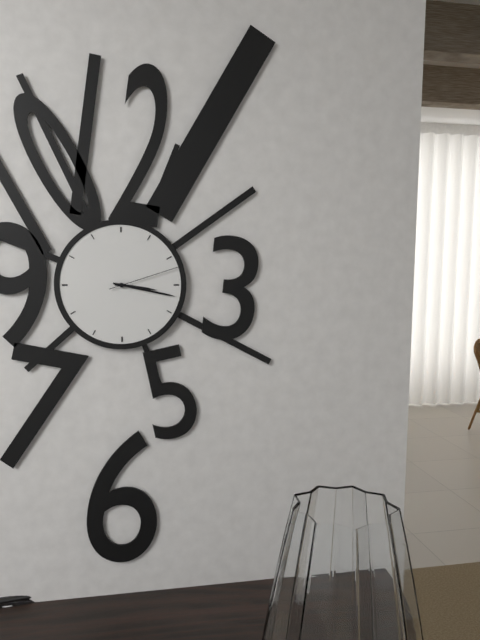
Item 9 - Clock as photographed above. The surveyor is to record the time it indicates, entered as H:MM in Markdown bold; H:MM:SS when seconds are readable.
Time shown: **3:17:12**
